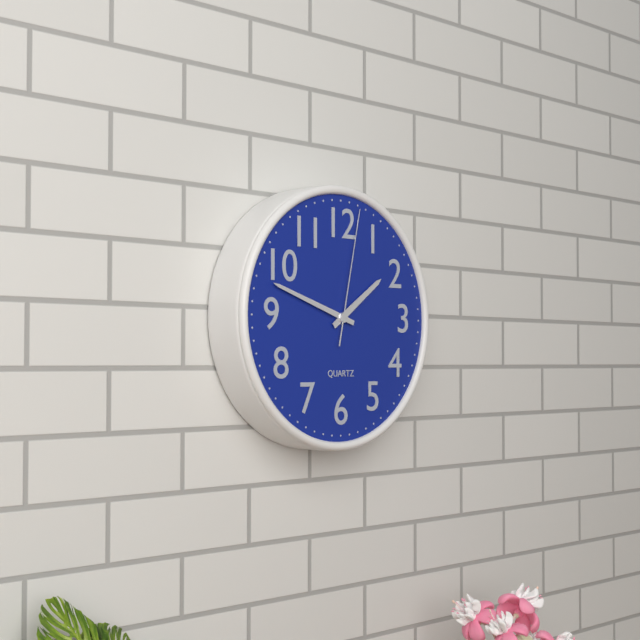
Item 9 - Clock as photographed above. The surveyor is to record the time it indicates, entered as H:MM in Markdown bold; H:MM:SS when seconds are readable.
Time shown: **1:48:02**
